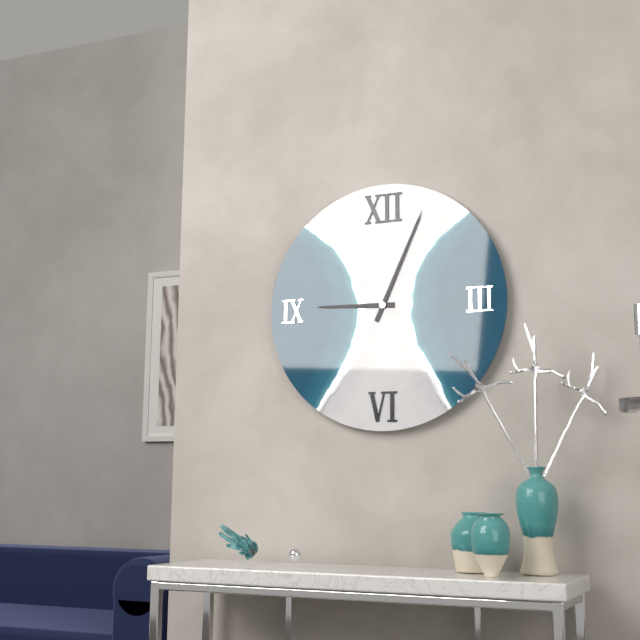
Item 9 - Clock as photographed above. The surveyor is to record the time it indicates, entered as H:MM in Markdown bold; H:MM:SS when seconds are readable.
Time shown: **9:04**
